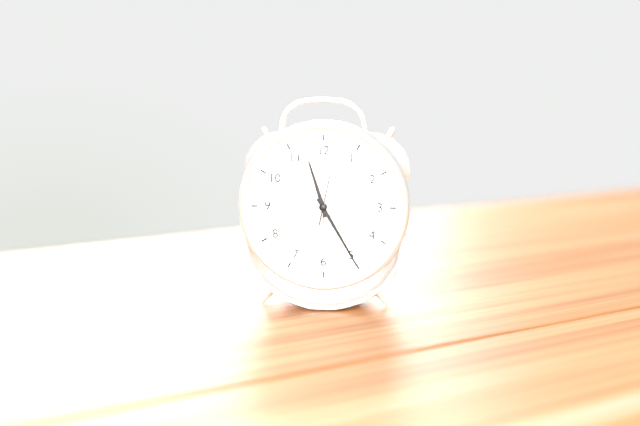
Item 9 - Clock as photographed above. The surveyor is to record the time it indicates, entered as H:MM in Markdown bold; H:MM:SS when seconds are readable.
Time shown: **11:25:02**
